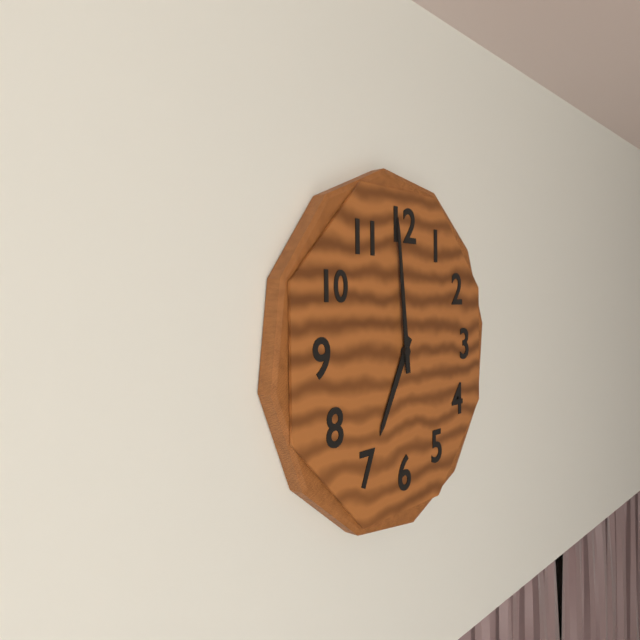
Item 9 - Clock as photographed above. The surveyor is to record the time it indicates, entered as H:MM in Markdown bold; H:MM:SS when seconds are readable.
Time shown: **6:59**
